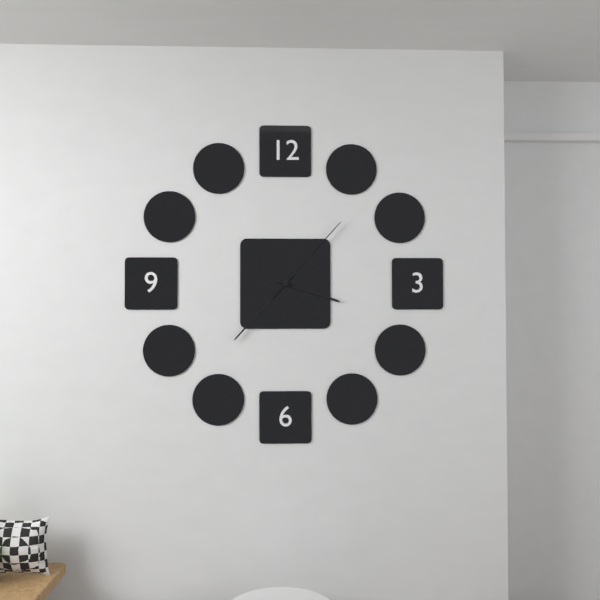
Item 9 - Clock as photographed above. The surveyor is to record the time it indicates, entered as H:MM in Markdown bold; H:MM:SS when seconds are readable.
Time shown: **3:37:07**
